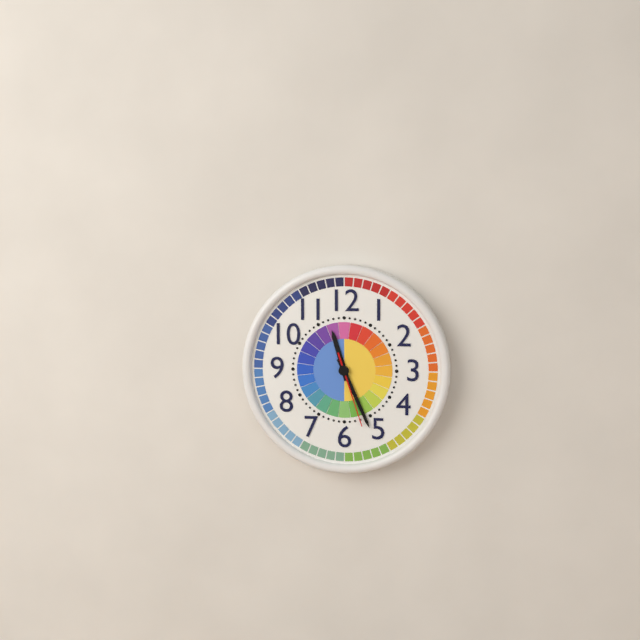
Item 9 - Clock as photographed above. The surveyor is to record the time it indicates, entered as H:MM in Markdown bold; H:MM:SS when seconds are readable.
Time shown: **11:26:27**
